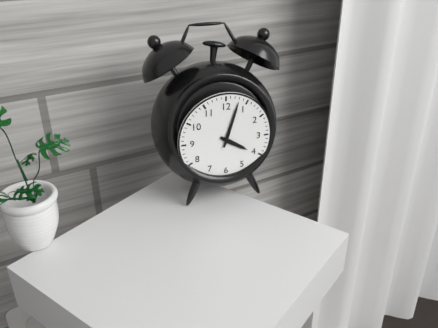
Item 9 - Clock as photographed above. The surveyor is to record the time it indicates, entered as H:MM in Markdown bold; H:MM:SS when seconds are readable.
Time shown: **4:03**
